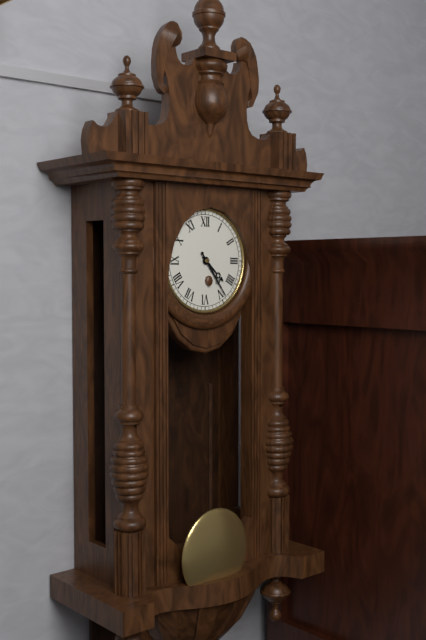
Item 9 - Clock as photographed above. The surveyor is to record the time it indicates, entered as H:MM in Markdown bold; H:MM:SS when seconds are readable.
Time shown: **4:24**
